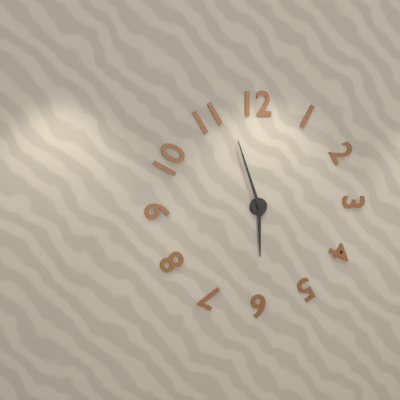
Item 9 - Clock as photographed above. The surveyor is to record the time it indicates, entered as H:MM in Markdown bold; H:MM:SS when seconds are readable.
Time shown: **5:57**
